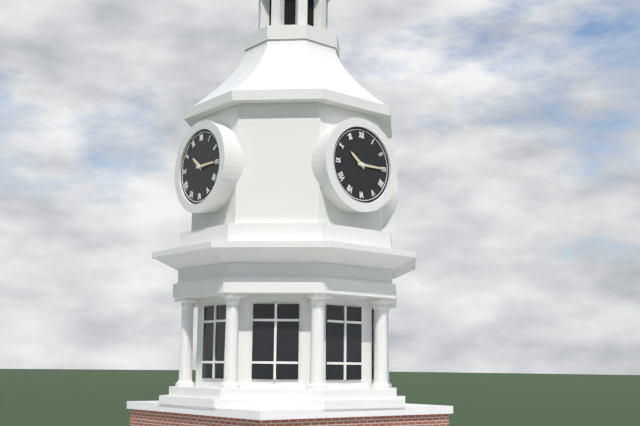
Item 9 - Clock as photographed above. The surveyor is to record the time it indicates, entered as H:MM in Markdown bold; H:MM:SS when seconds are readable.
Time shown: **10:15**
